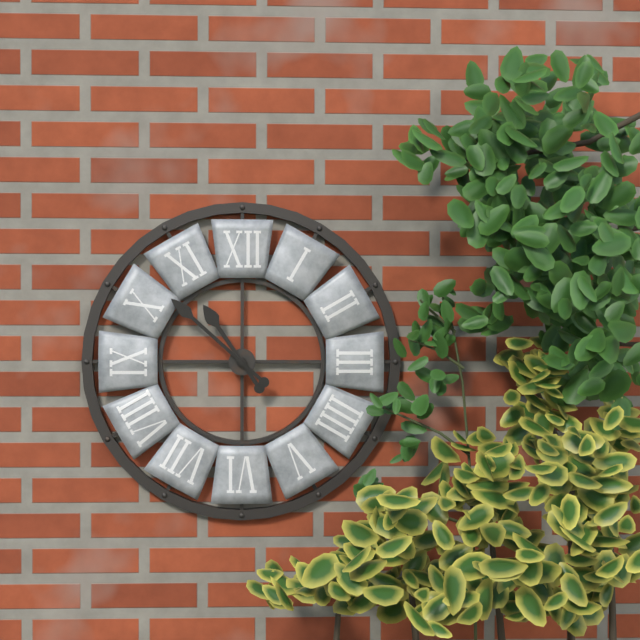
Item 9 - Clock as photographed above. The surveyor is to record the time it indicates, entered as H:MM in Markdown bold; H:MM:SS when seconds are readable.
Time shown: **10:52**
